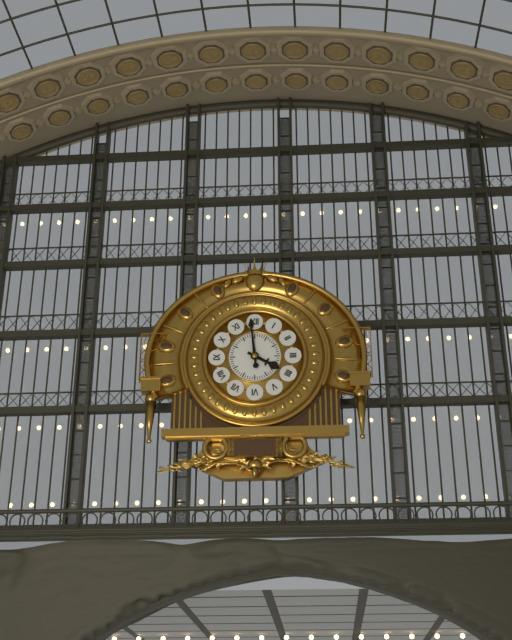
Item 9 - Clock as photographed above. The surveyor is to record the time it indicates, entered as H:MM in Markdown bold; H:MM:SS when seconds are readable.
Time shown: **3:59**
